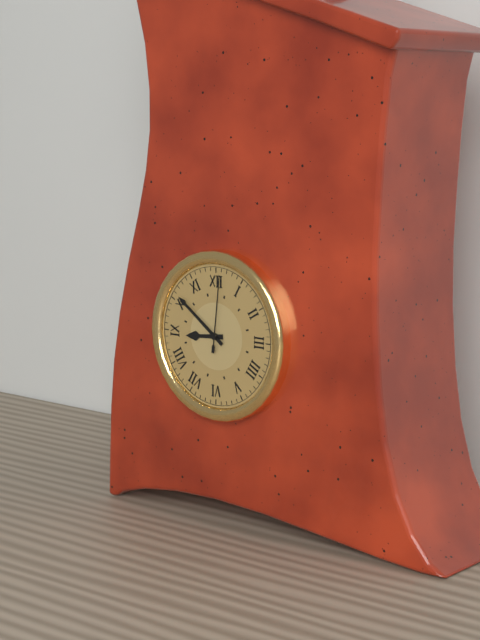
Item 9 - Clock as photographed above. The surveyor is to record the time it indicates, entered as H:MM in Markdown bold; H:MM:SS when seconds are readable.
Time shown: **8:51:01**
